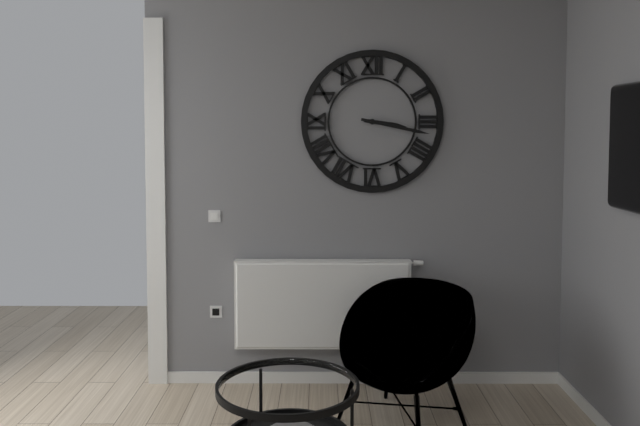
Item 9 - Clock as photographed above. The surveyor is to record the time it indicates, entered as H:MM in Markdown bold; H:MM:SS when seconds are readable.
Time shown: **3:17**
